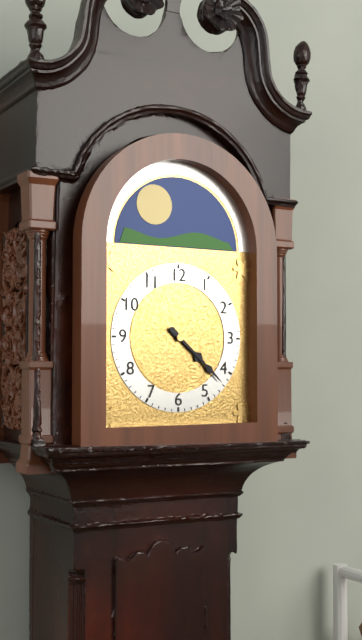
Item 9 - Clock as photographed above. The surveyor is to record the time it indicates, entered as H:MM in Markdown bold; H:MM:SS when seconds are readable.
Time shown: **4:22**
